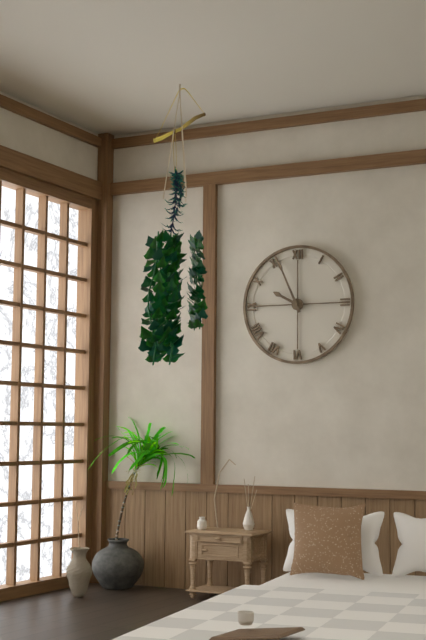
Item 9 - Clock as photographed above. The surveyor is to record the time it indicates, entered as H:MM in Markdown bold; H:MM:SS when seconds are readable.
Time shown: **9:56**
